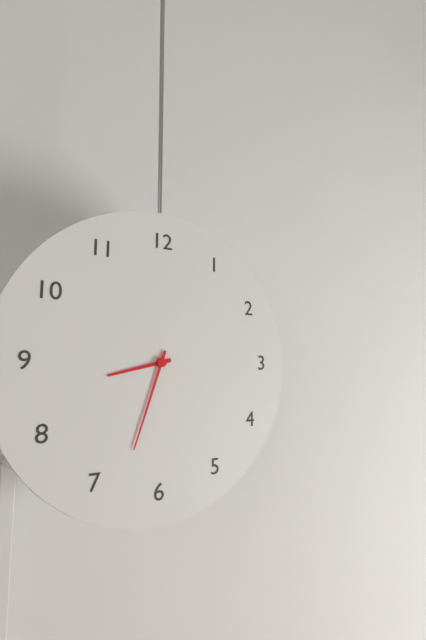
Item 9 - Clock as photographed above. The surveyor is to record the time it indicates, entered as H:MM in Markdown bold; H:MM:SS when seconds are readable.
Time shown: **8:33**
